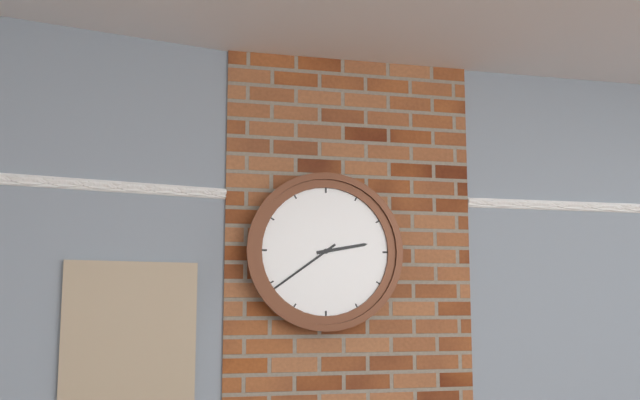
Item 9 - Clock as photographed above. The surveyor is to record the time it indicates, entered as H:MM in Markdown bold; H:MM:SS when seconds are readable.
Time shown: **2:39**
